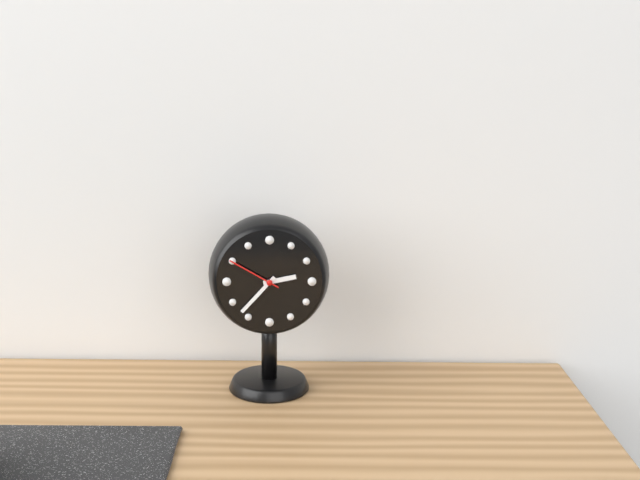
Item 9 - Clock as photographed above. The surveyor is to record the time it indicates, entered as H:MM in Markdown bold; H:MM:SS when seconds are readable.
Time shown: **2:37:50**
